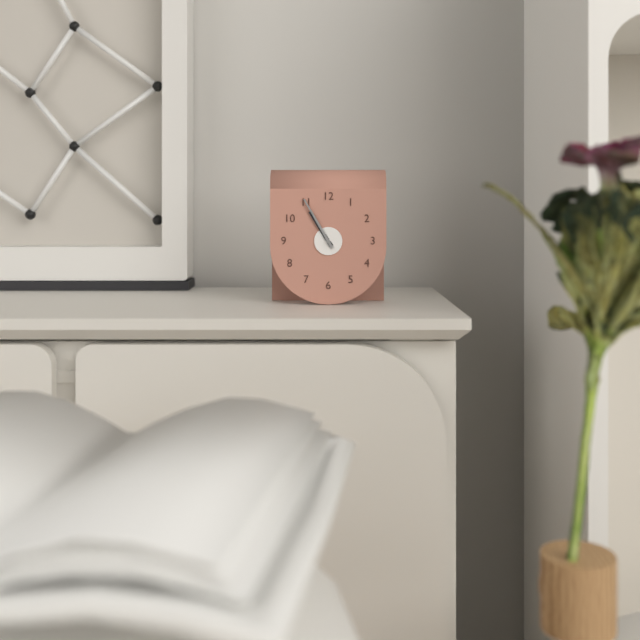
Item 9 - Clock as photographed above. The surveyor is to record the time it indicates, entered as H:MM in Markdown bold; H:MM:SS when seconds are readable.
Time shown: **10:55**
